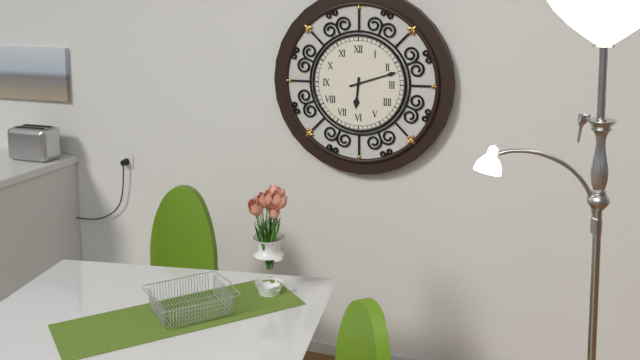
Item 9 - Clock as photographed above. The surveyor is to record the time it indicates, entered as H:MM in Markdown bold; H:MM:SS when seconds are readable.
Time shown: **6:12**
